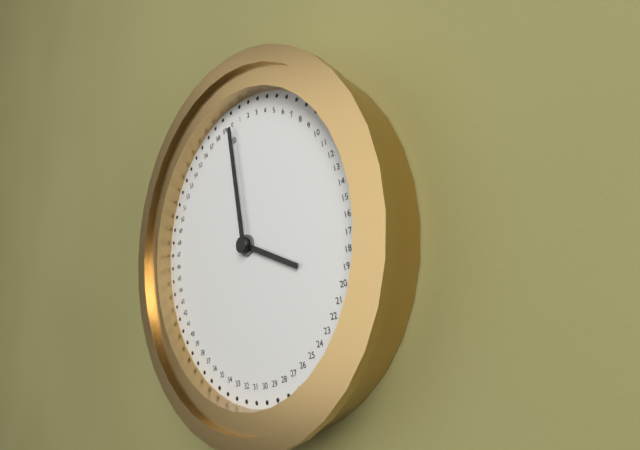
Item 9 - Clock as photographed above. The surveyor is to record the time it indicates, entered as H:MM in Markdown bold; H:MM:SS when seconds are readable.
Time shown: **4:00**
